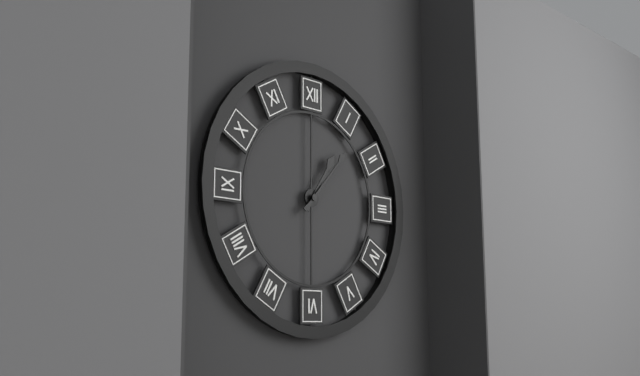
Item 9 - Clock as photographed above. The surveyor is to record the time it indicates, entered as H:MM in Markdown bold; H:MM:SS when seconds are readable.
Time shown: **1:07**
